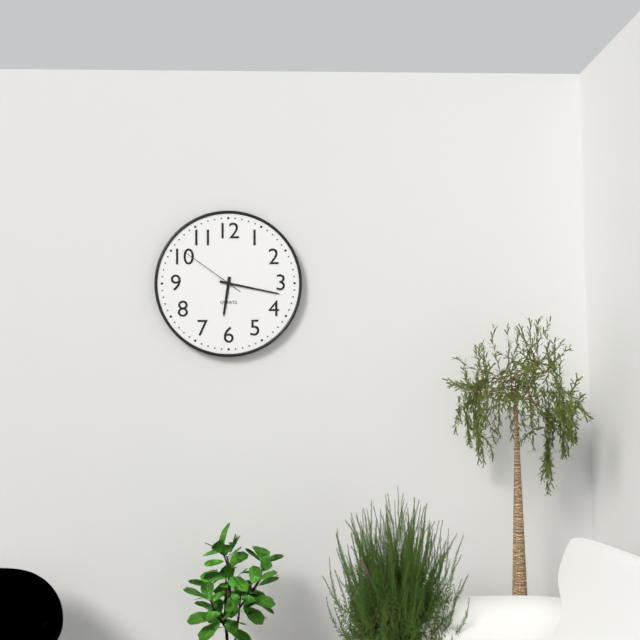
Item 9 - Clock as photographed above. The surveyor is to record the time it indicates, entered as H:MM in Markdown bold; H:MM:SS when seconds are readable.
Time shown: **6:17:51**
